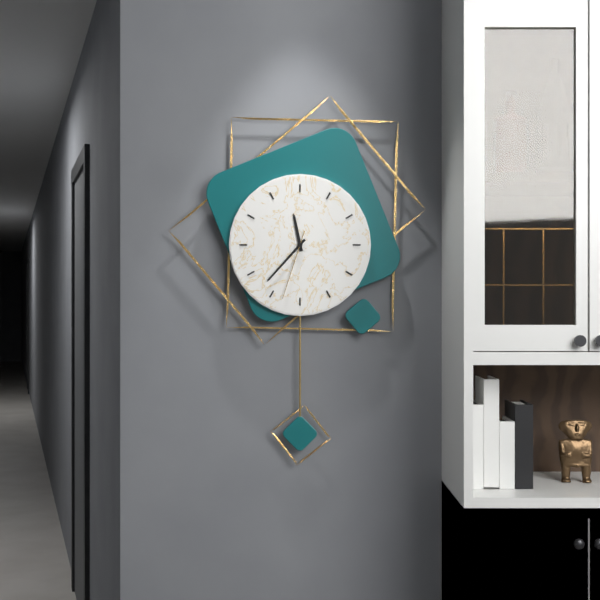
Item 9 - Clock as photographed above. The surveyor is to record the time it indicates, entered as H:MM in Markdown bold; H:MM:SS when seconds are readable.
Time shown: **11:37:33**
